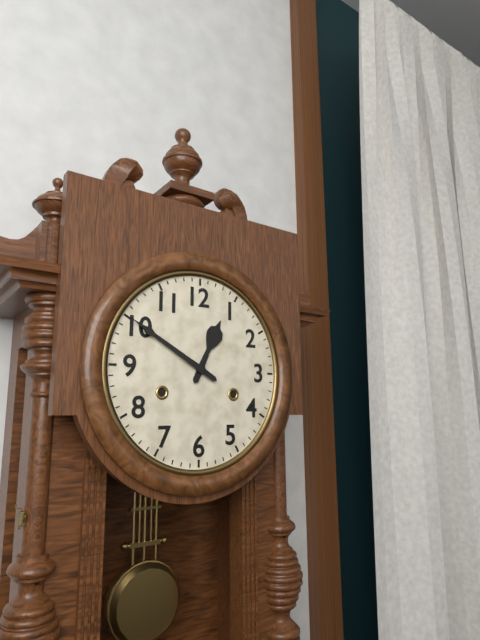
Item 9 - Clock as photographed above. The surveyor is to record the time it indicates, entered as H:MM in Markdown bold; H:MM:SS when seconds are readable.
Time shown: **12:50**
